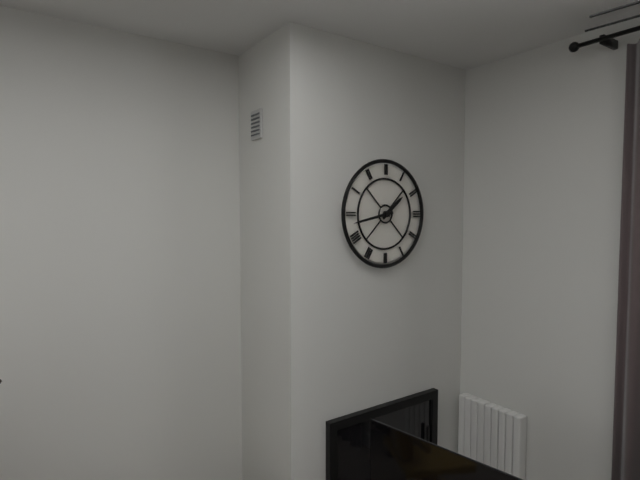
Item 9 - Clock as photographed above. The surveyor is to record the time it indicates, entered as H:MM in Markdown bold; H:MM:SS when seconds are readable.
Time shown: **1:43**
